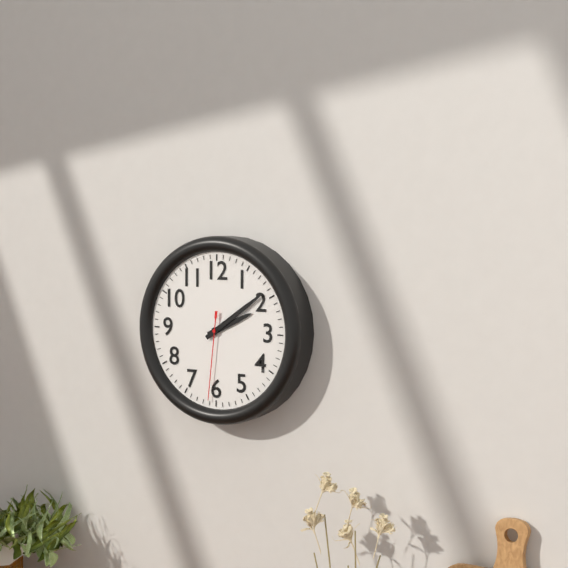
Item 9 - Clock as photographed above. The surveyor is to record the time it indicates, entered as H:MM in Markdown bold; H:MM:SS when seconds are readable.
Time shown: **2:09:31**
